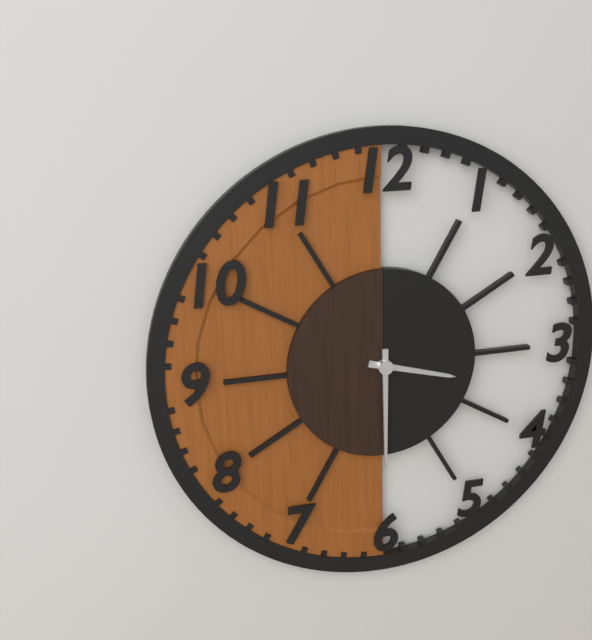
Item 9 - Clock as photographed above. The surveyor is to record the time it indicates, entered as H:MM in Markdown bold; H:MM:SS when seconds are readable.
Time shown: **3:30**
